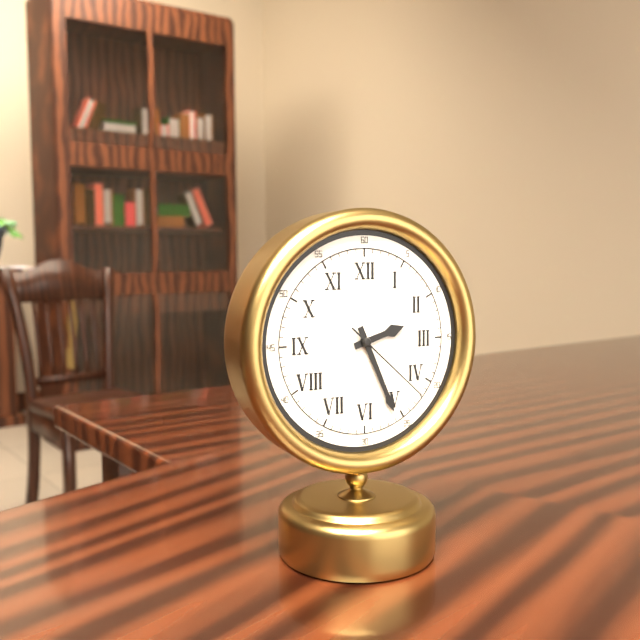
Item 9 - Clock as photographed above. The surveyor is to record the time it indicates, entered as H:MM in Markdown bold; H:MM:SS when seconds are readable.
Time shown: **2:26:22**
